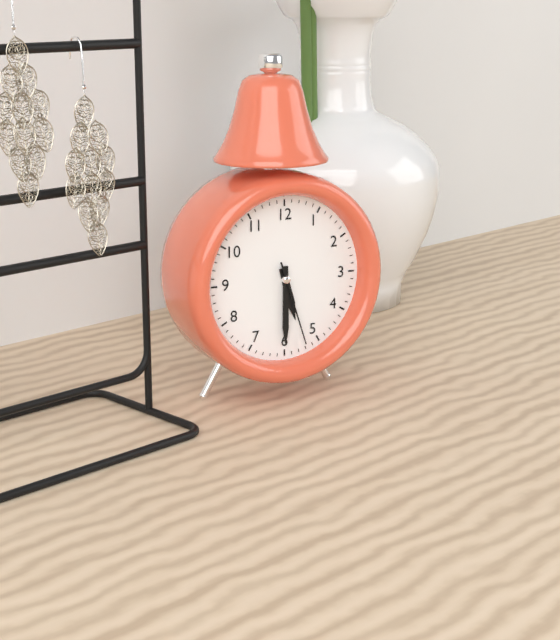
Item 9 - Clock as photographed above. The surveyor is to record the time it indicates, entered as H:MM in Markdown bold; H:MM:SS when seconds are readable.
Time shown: **5:30:27**
